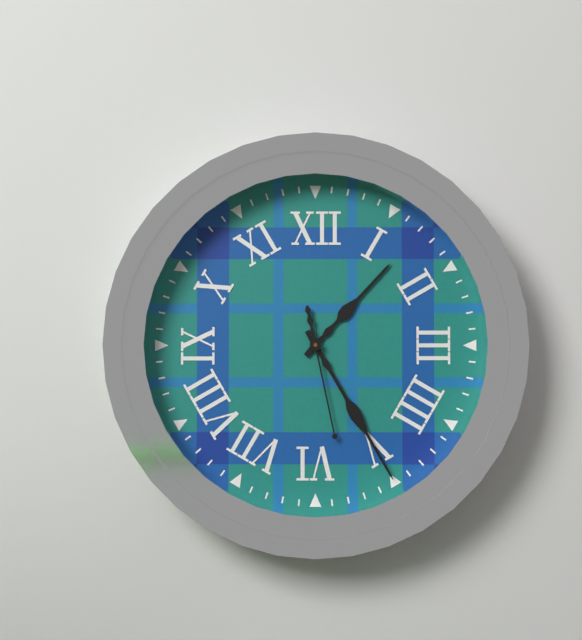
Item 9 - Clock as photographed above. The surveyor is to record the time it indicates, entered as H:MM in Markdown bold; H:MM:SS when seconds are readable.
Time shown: **1:25:28**
